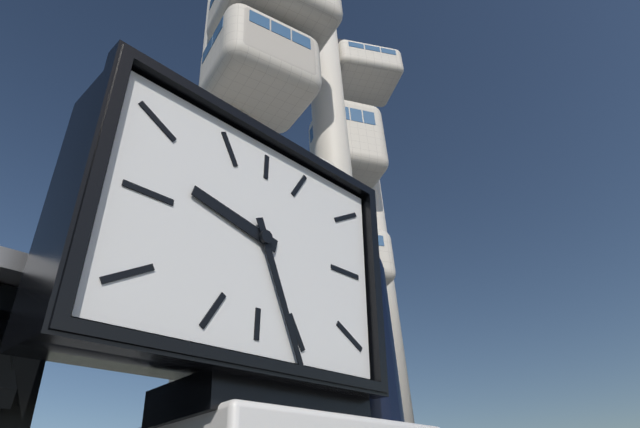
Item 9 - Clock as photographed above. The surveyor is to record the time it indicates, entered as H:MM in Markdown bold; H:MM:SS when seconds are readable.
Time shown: **9:26**
